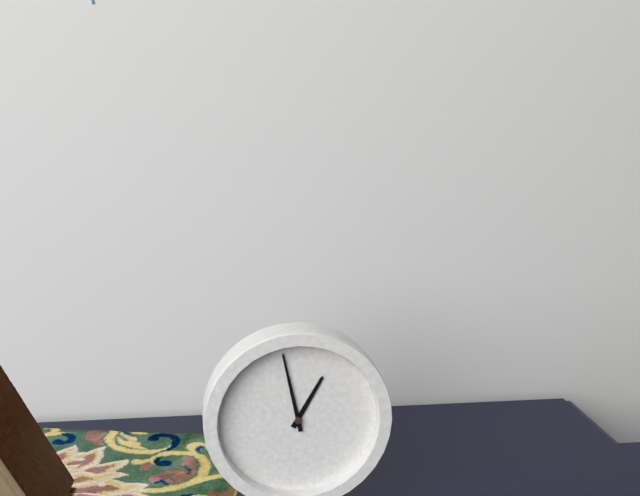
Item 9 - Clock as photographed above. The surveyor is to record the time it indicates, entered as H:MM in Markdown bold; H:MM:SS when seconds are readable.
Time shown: **12:58**
